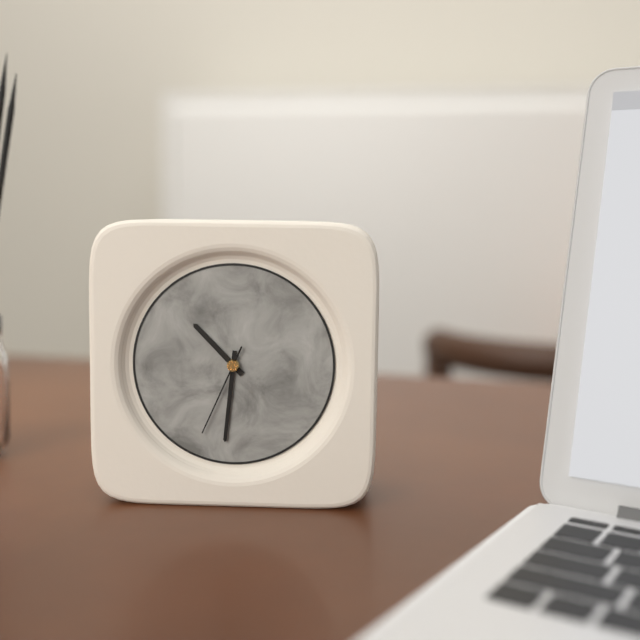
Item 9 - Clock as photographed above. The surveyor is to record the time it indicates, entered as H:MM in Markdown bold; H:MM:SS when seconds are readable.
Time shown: **10:31:34**
